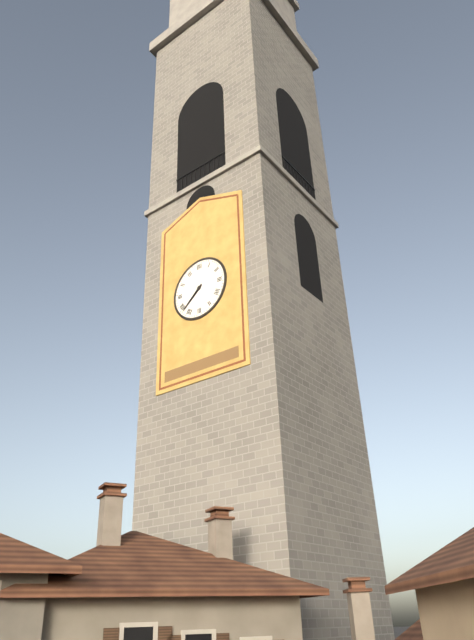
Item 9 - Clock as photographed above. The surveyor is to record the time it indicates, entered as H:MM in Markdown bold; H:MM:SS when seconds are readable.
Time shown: **7:38**
